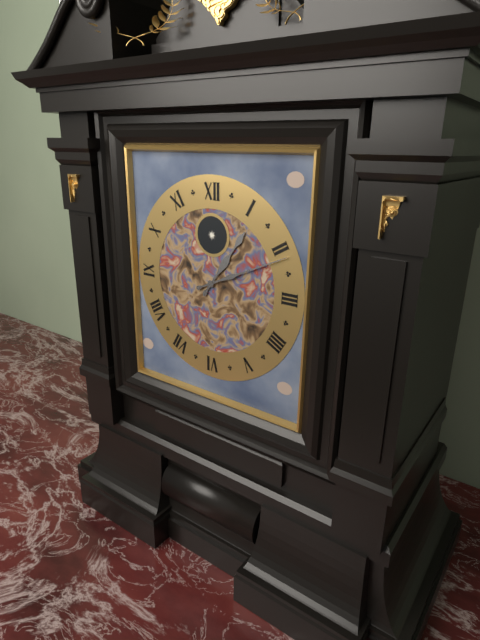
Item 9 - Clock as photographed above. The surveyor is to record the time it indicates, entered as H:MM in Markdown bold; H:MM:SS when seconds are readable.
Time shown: **1:11**
